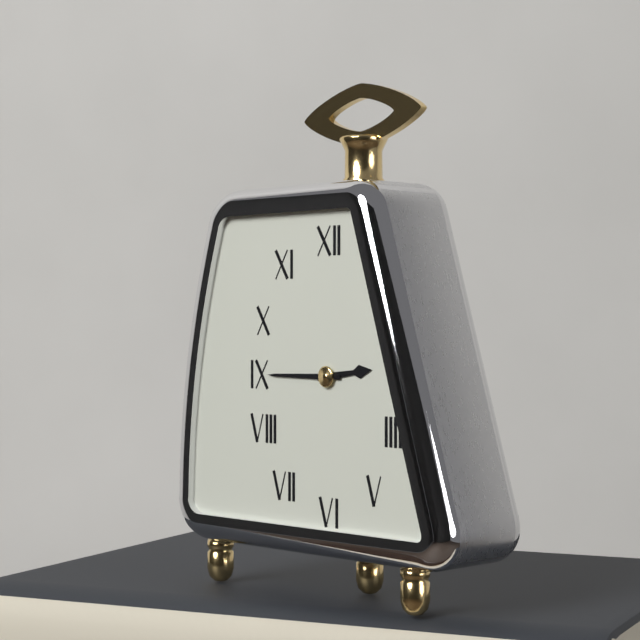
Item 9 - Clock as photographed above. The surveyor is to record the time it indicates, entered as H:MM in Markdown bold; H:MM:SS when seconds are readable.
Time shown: **2:45**
